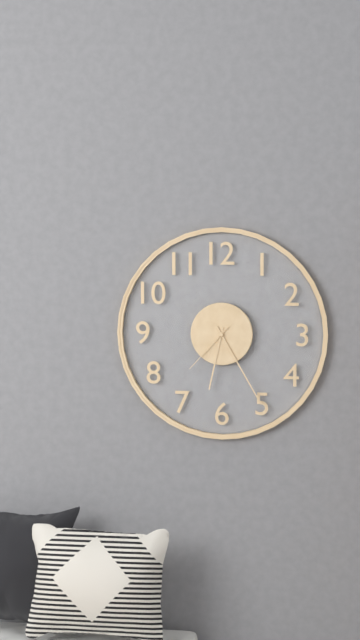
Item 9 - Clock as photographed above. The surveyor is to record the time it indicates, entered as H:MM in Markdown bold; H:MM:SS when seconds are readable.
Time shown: **6:25:37**
